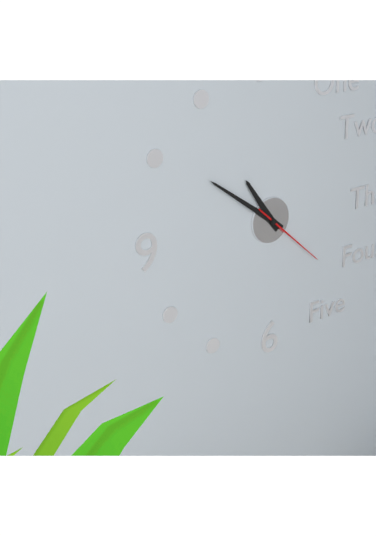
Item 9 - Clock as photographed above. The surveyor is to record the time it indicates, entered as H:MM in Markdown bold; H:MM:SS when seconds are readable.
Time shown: **10:51:22**
